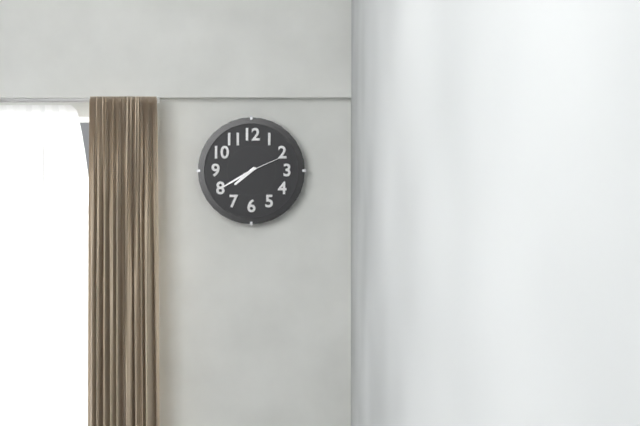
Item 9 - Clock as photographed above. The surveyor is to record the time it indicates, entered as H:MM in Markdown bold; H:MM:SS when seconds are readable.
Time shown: **7:40**
